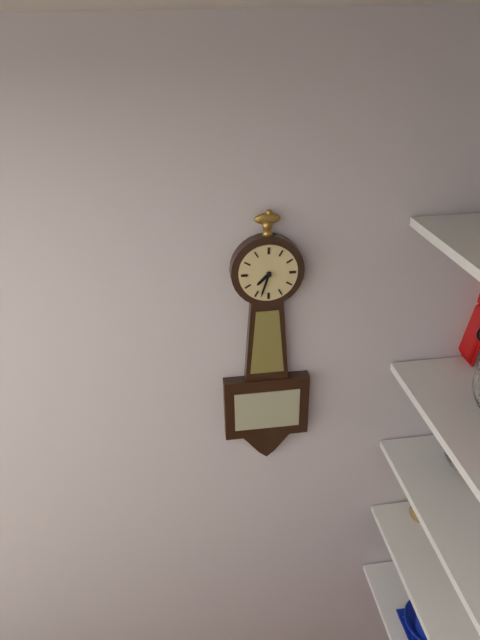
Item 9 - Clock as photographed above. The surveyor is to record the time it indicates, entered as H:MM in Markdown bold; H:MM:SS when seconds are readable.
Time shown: **7:33**
